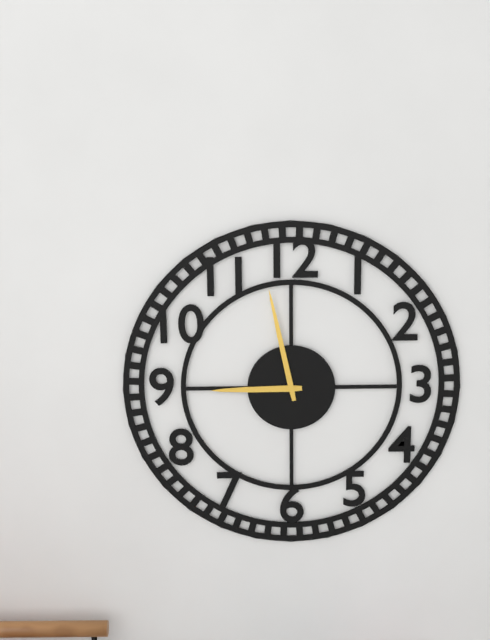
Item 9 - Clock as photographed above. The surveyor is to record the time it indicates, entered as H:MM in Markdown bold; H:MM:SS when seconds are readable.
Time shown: **8:58**
